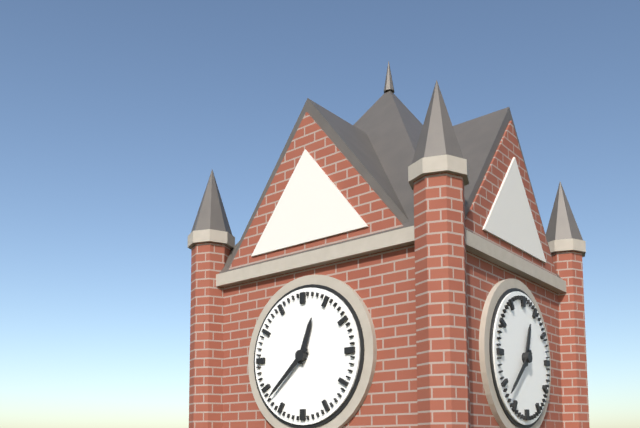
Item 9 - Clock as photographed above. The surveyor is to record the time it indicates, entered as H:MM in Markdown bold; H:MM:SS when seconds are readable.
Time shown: **12:38**
